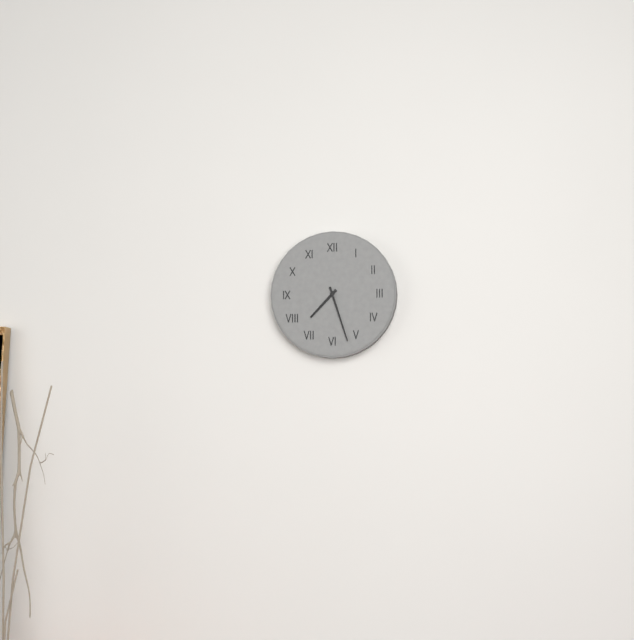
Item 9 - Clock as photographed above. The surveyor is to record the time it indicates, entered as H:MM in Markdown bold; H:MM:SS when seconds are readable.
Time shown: **7:27**
